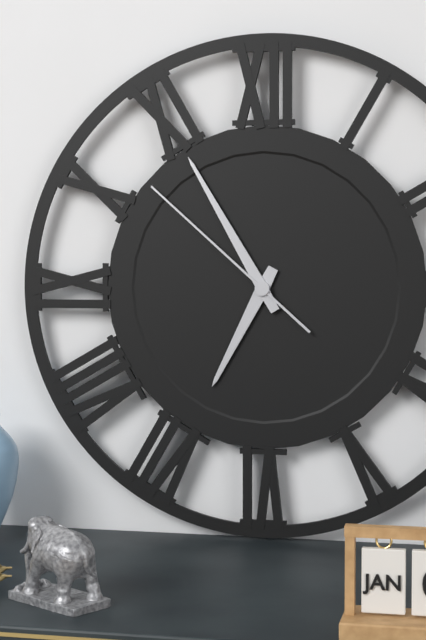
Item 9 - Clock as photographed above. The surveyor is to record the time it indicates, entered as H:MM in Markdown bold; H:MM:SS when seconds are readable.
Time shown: **6:55:52**
